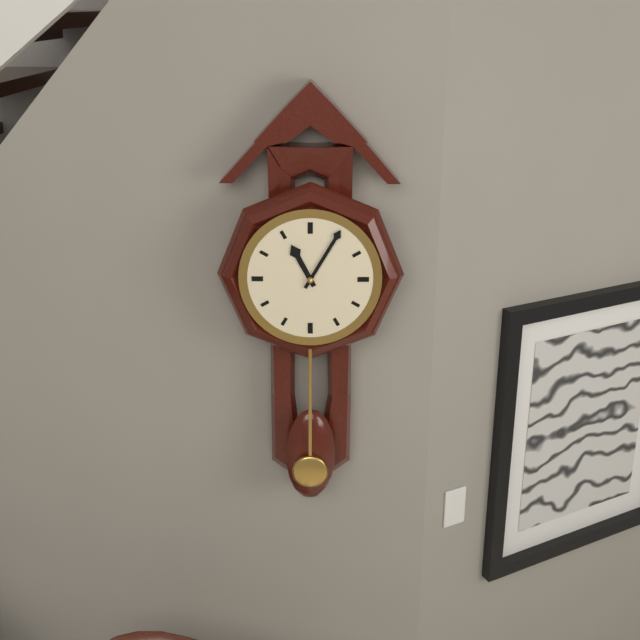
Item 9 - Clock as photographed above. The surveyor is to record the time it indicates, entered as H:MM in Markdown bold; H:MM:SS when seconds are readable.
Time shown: **11:05**
